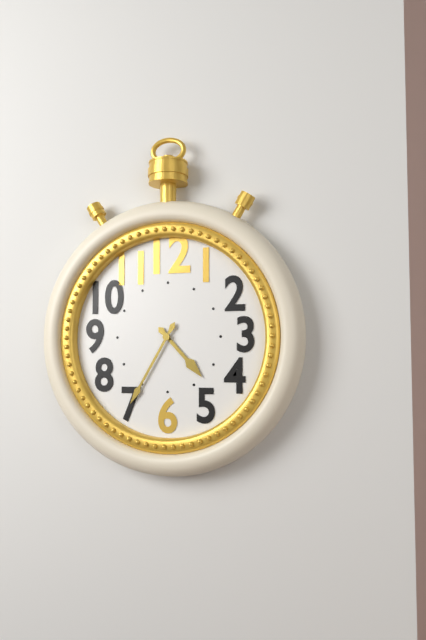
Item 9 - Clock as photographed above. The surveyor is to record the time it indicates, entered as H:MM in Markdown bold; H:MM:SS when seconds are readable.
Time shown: **4:35**
